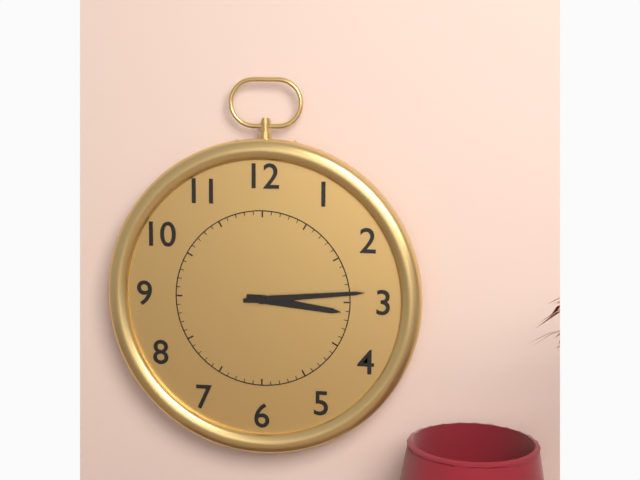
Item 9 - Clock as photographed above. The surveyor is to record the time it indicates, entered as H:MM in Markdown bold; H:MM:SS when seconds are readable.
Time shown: **3:14**
